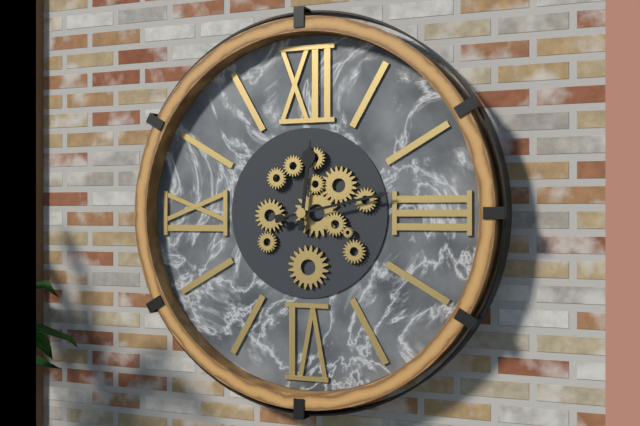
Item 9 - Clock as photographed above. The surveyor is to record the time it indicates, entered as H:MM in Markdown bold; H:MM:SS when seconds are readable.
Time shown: **12:13**
